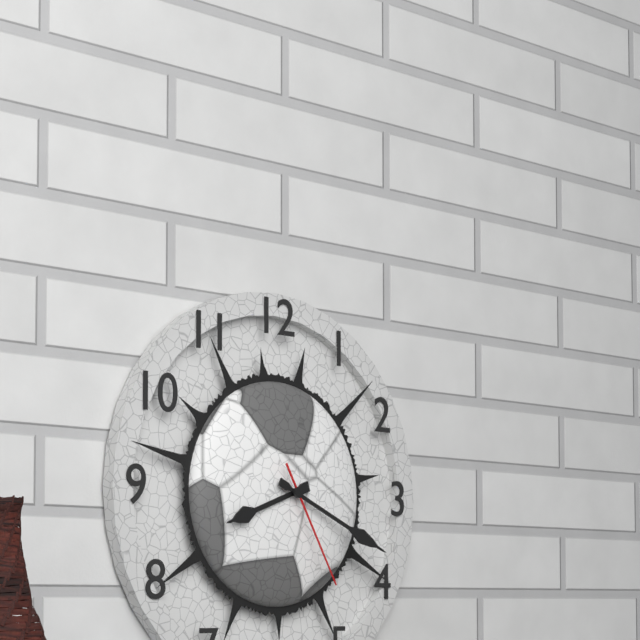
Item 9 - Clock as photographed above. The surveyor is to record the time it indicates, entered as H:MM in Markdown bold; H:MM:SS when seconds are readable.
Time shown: **8:19:25**
